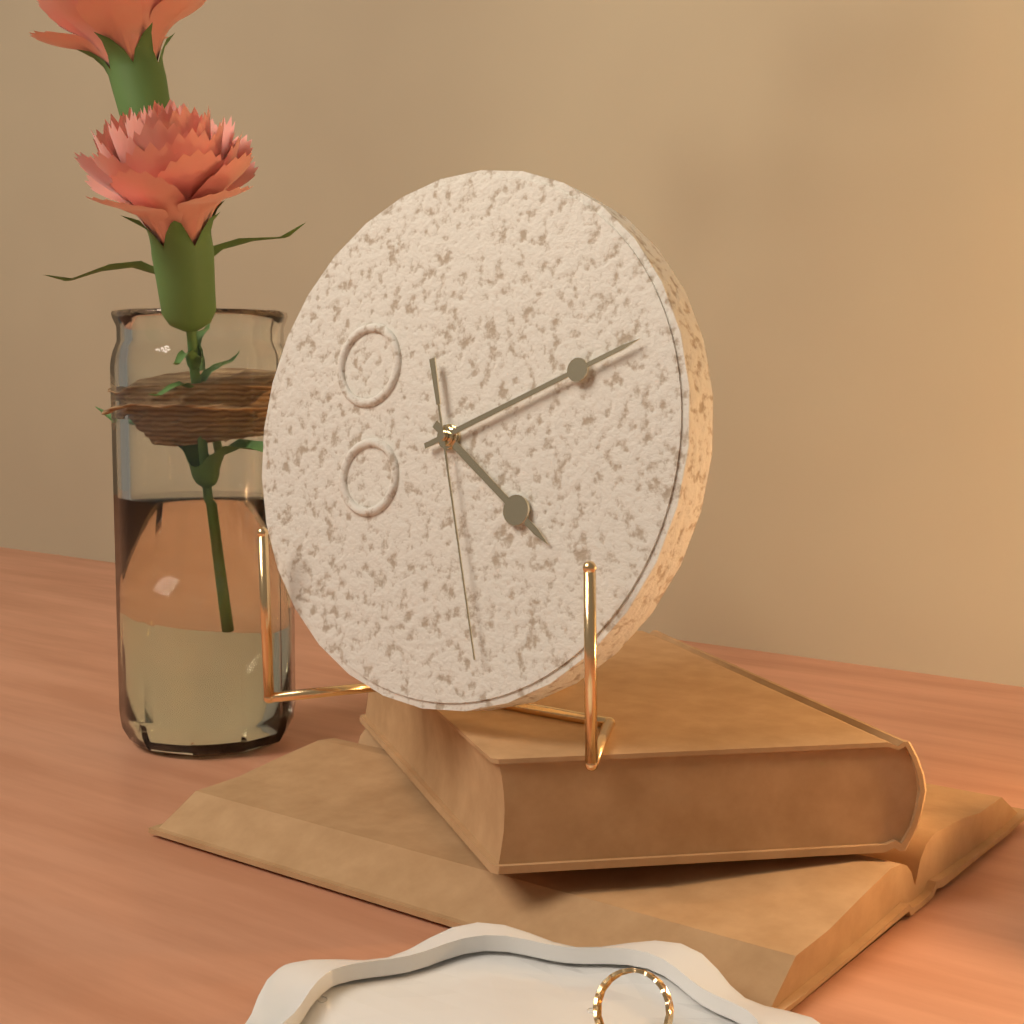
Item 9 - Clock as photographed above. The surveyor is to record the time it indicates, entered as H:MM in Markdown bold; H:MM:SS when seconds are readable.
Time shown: **4:11:27**
